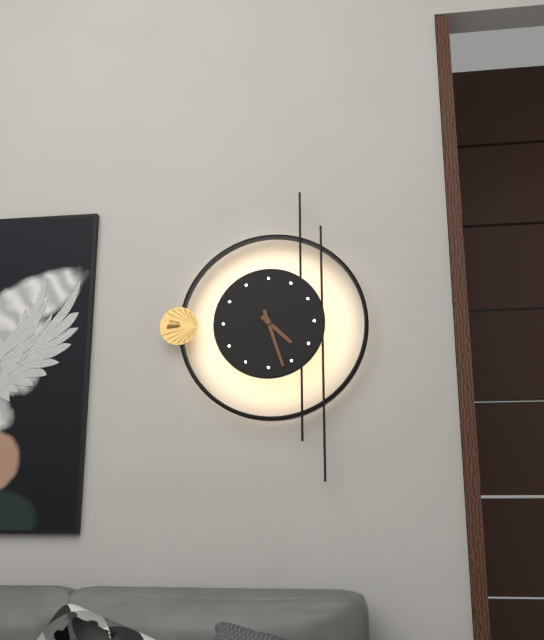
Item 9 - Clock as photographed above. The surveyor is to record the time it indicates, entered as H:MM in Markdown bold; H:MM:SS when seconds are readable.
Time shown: **4:27**
